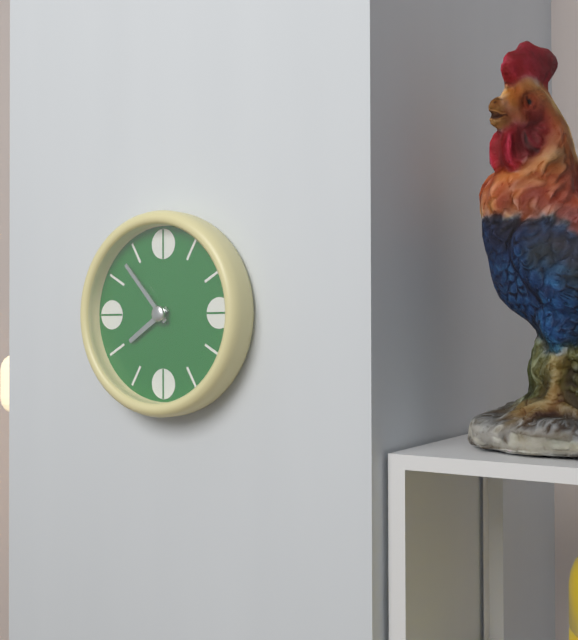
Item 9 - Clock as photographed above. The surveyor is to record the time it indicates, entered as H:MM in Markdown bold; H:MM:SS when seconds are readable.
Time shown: **7:53**
